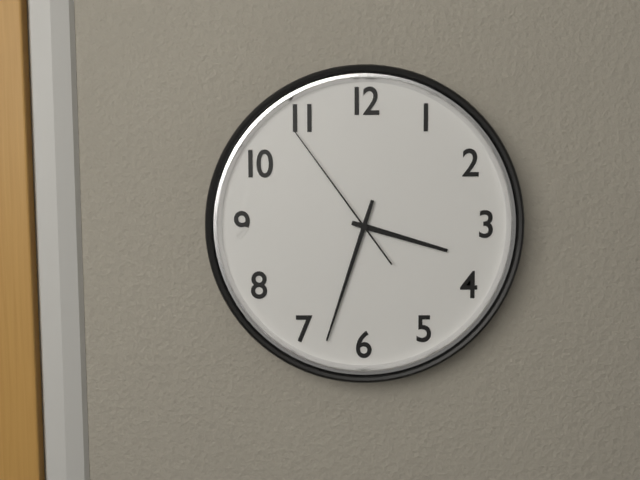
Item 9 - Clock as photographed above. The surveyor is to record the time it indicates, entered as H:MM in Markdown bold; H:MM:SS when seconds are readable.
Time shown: **3:33:54**
